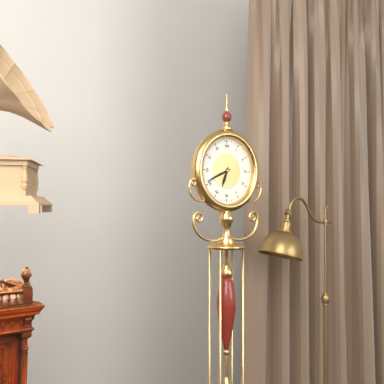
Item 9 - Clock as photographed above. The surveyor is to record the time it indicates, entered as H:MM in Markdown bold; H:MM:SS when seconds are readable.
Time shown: **6:41**
